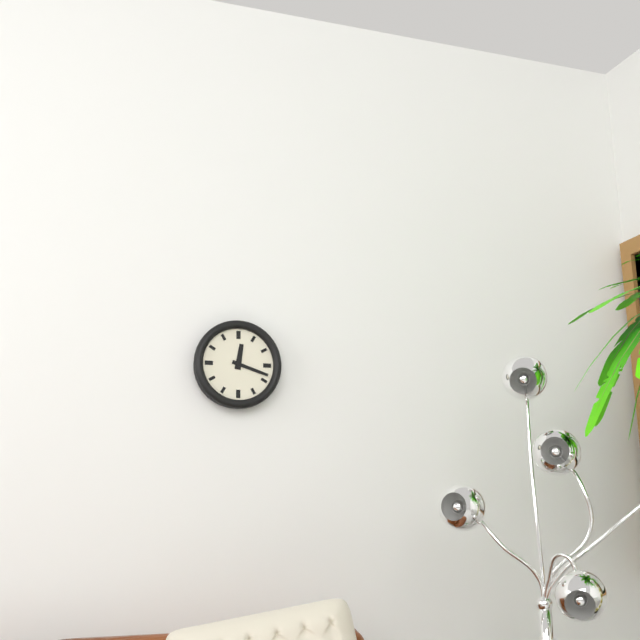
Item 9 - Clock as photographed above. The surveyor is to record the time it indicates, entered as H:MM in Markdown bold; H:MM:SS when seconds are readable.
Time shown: **12:18**
